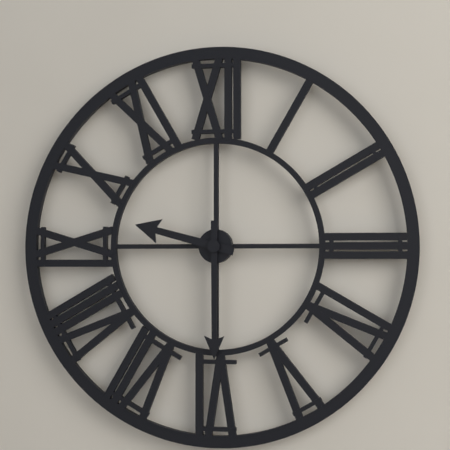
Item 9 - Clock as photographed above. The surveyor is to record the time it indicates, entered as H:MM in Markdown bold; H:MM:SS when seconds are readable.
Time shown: **9:30**
